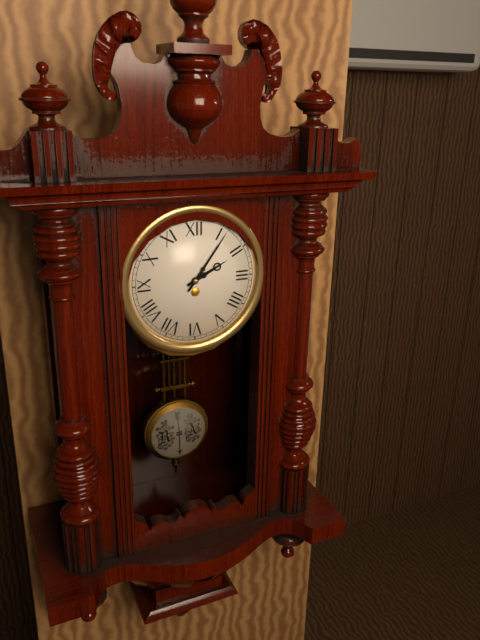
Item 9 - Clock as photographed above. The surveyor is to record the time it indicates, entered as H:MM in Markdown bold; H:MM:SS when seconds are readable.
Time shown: **2:06**
